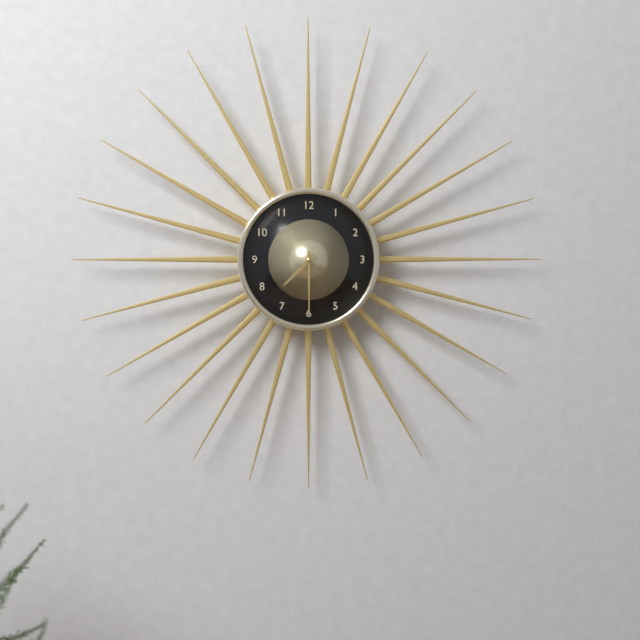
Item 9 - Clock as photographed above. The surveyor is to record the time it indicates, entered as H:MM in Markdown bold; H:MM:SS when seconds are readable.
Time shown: **7:30**
